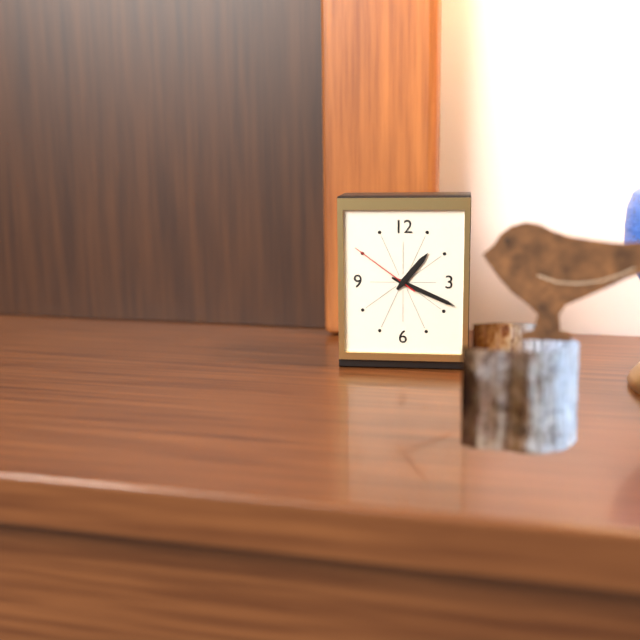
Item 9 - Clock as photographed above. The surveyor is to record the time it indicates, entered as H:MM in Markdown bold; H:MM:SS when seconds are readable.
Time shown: **1:19:51**
